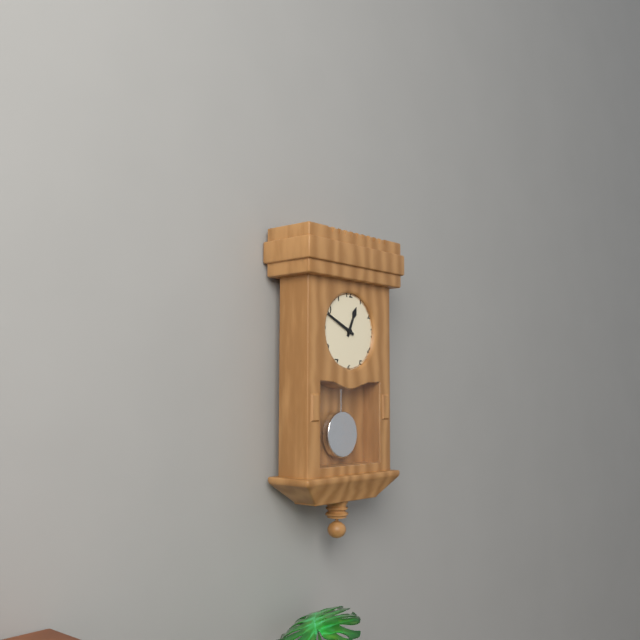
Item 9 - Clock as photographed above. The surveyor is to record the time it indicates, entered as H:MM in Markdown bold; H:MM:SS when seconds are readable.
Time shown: **12:49**
